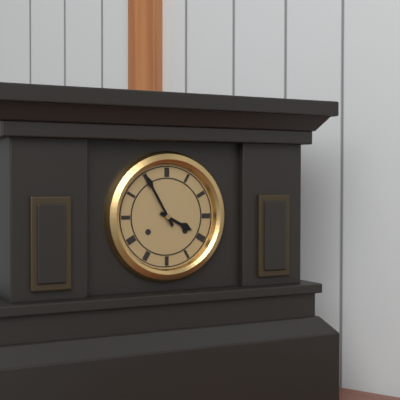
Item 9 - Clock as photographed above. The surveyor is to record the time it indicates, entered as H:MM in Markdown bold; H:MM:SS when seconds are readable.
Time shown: **3:55**
